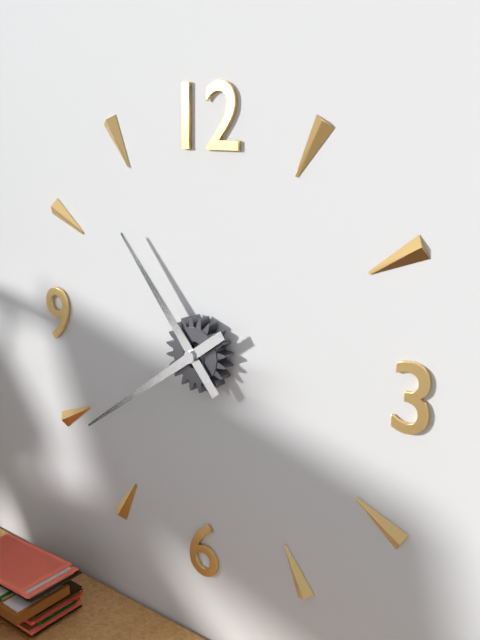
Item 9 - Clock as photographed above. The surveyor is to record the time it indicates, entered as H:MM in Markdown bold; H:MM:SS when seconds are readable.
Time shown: **10:39**
